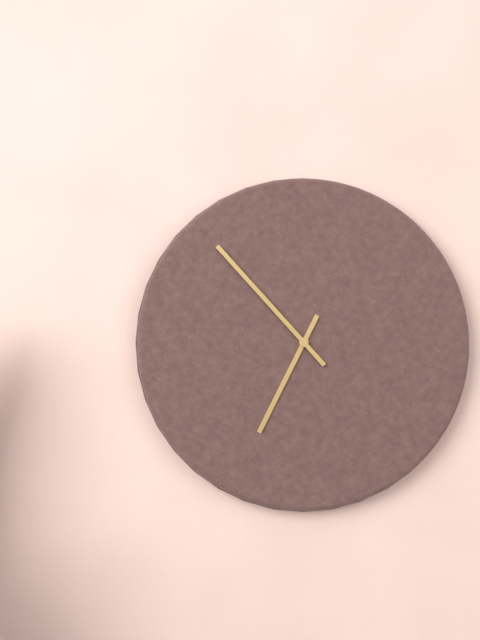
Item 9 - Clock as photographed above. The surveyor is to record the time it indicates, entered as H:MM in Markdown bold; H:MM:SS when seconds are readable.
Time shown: **6:53**
